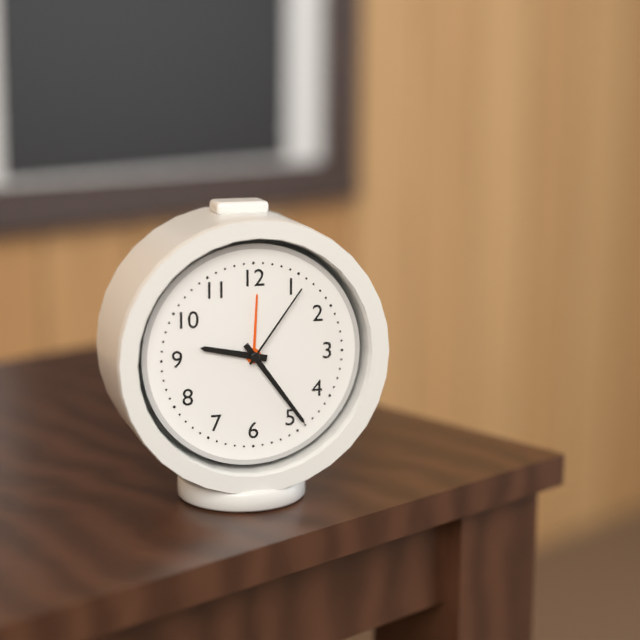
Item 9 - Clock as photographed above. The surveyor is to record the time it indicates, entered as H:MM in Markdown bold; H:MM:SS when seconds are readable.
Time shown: **9:24:06**
